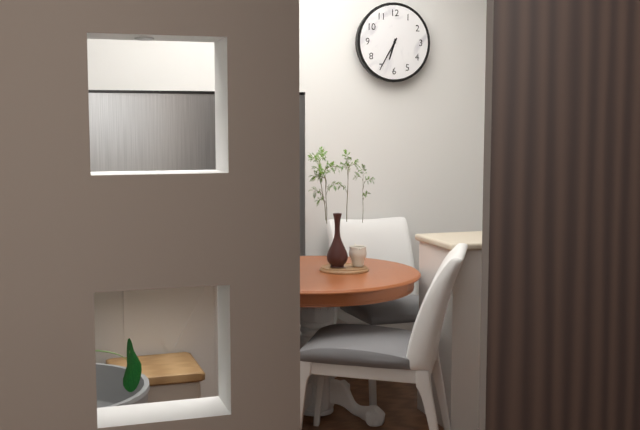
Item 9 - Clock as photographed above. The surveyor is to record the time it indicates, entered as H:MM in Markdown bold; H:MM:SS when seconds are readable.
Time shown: **6:35**
